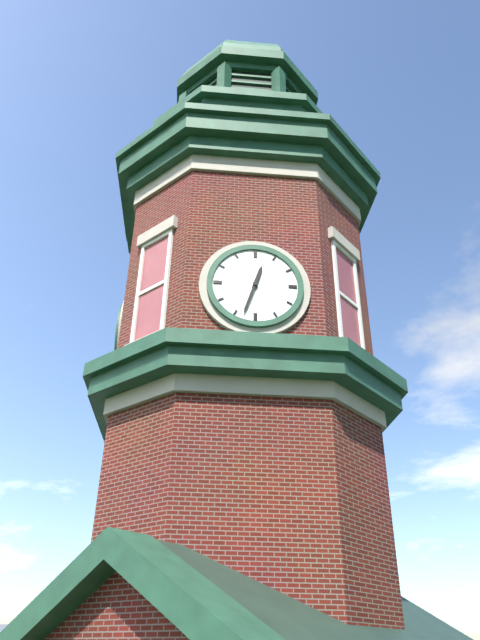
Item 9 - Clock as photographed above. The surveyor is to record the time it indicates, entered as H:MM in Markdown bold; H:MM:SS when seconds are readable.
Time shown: **12:33**
